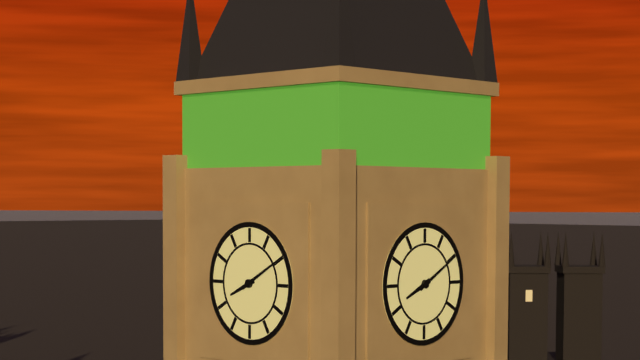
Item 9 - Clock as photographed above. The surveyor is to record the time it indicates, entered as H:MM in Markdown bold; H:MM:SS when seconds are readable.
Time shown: **8:10**
